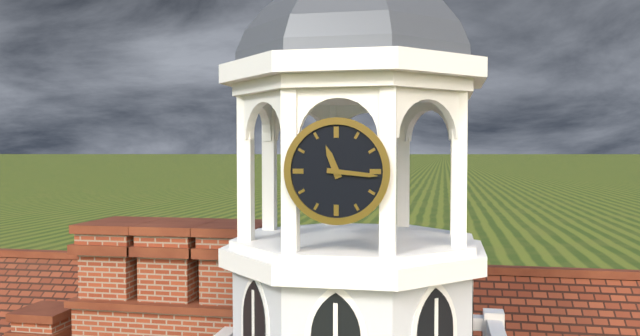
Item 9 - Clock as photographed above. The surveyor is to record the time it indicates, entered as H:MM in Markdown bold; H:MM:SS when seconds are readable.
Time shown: **11:16**
